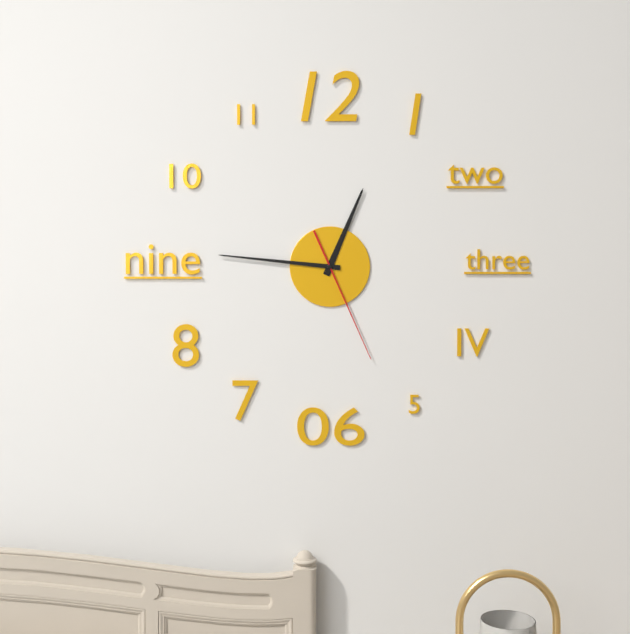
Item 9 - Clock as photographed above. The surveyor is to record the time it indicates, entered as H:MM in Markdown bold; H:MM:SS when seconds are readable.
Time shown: **12:46:26**
